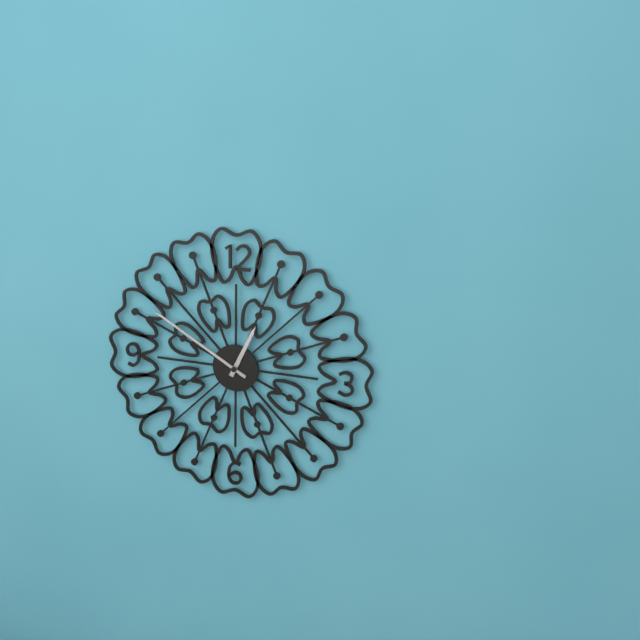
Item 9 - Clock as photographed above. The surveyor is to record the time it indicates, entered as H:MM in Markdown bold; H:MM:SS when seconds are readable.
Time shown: **12:50**
